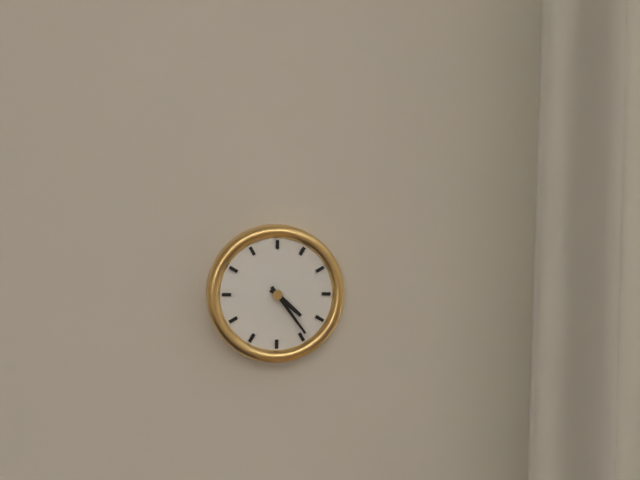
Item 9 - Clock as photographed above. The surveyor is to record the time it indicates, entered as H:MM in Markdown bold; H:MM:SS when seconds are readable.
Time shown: **4:24**
